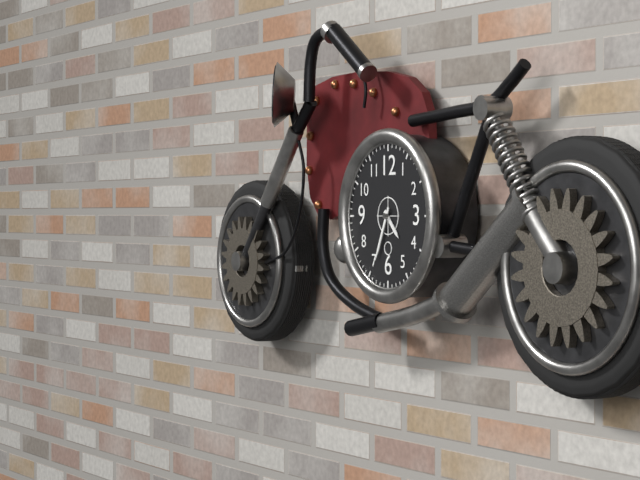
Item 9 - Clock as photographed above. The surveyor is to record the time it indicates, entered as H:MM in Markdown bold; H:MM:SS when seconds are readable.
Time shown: **4:34**
